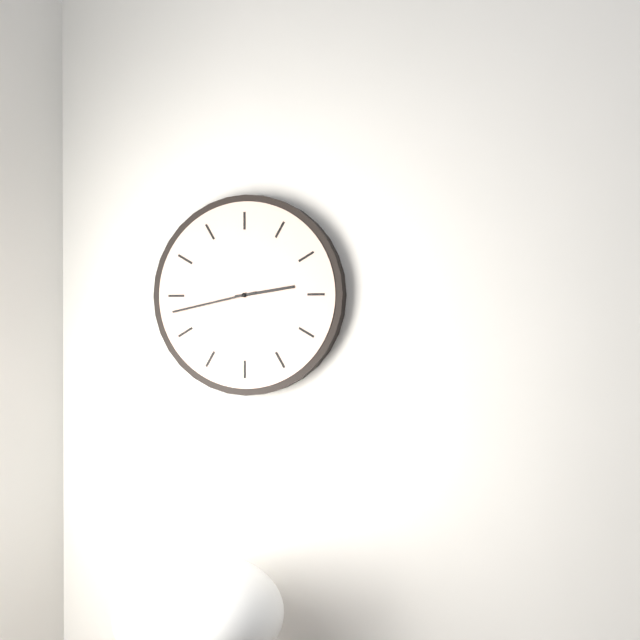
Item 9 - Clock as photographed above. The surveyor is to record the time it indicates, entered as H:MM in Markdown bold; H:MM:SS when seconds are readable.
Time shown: **2:43**
